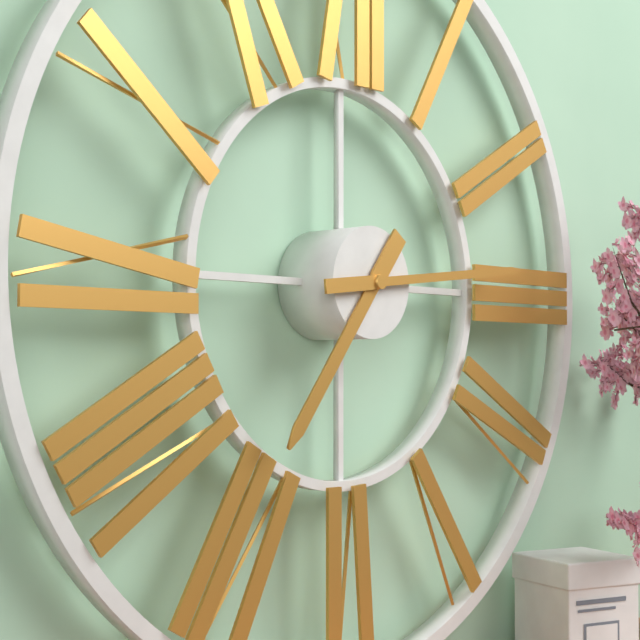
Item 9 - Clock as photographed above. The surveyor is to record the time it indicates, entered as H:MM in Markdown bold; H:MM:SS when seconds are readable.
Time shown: **7:14**
